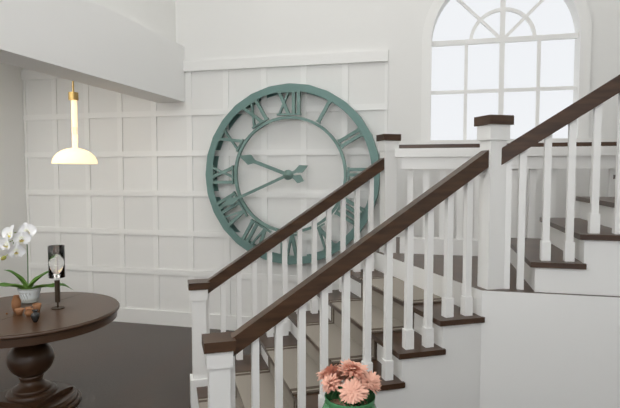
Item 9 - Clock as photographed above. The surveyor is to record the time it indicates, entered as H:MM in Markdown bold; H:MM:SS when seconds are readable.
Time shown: **9:41**
